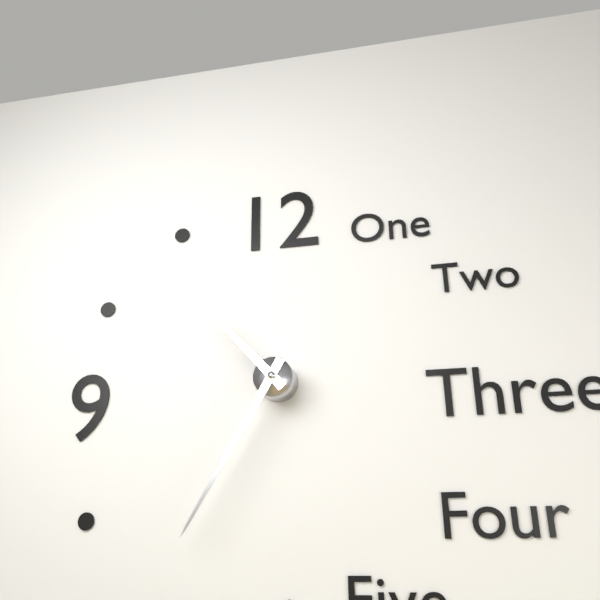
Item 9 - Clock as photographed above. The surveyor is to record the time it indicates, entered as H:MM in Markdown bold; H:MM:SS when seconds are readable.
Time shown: **10:35**
